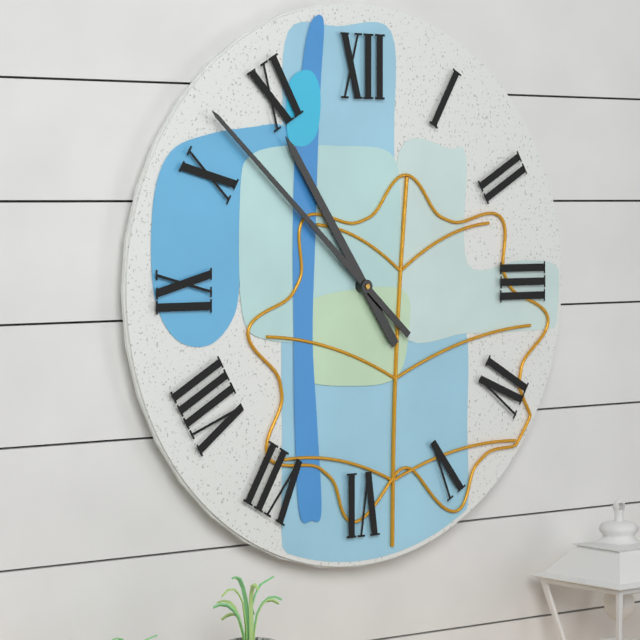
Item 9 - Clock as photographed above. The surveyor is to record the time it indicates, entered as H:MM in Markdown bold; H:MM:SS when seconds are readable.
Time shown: **10:52**
